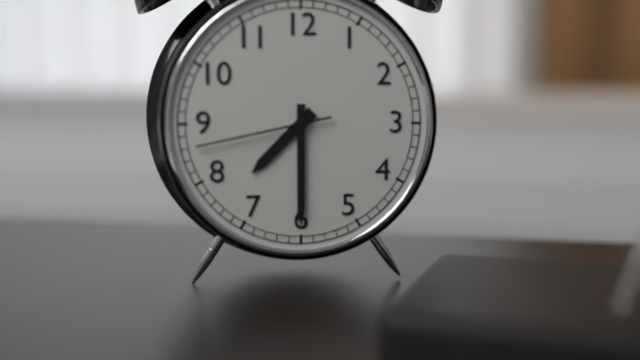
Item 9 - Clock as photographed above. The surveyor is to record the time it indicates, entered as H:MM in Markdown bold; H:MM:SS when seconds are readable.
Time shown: **7:30:43**
